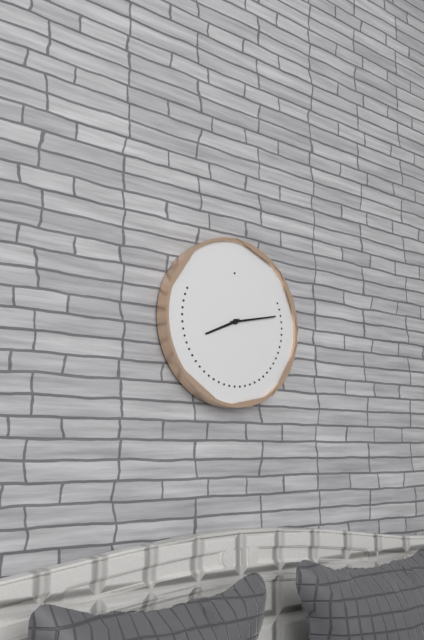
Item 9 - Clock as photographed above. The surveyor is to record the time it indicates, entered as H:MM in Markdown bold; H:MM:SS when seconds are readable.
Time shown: **8:13**
